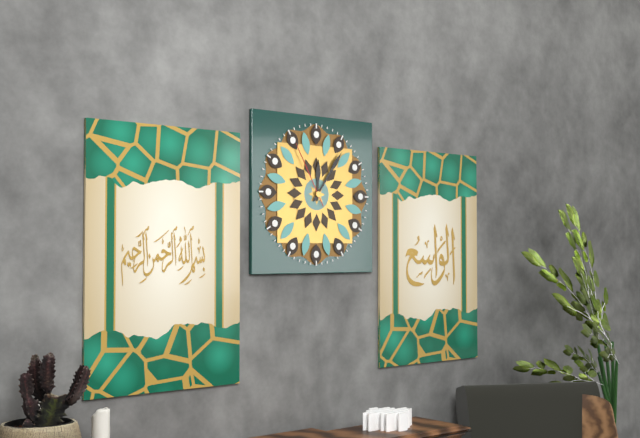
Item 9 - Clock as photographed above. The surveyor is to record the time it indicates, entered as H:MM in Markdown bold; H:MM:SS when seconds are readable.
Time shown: **12:06:55**
